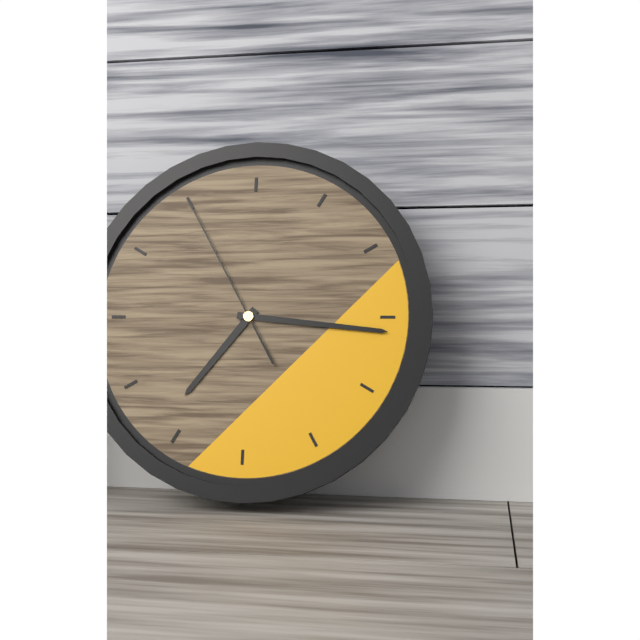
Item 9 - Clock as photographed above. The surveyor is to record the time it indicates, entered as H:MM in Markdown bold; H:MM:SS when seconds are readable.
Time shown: **7:16:55**
